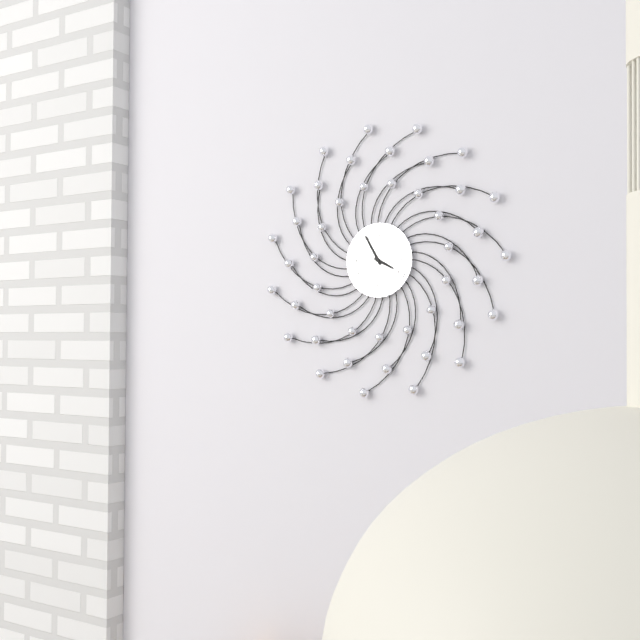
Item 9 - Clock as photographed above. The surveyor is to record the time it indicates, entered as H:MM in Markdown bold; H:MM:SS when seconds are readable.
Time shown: **3:55**
